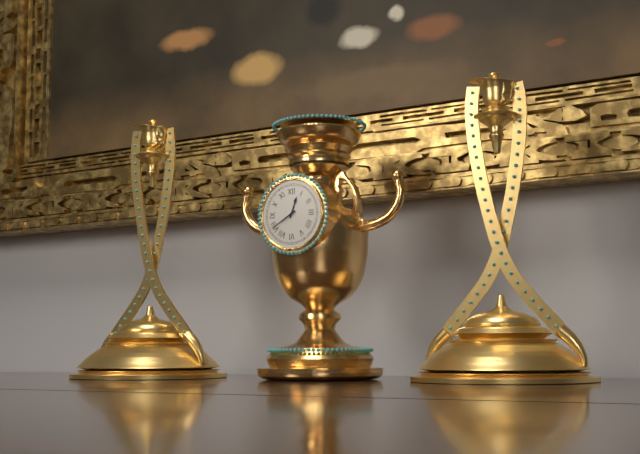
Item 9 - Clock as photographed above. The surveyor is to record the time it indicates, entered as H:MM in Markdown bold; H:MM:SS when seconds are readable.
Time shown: **12:40**
